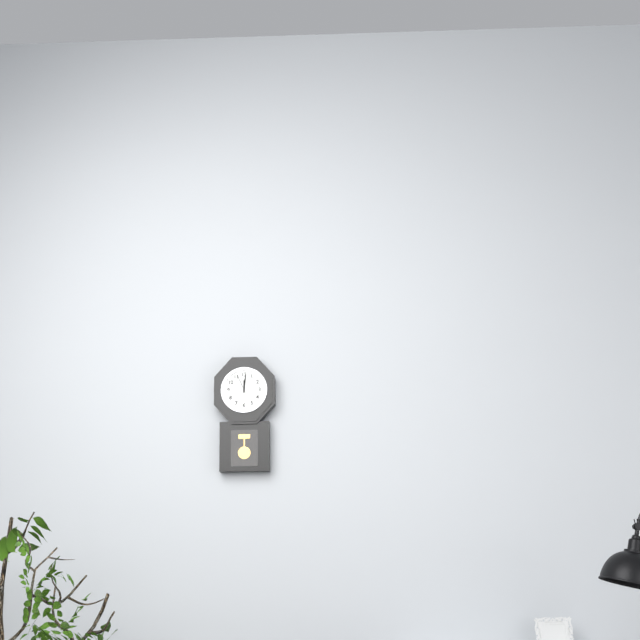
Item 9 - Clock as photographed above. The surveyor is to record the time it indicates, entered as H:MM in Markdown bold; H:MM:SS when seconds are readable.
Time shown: **12:01**
